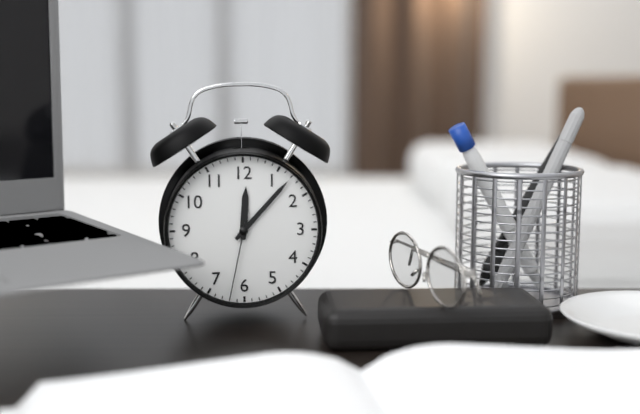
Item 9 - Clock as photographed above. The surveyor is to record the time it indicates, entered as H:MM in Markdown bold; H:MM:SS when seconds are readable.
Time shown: **12:07:32**
